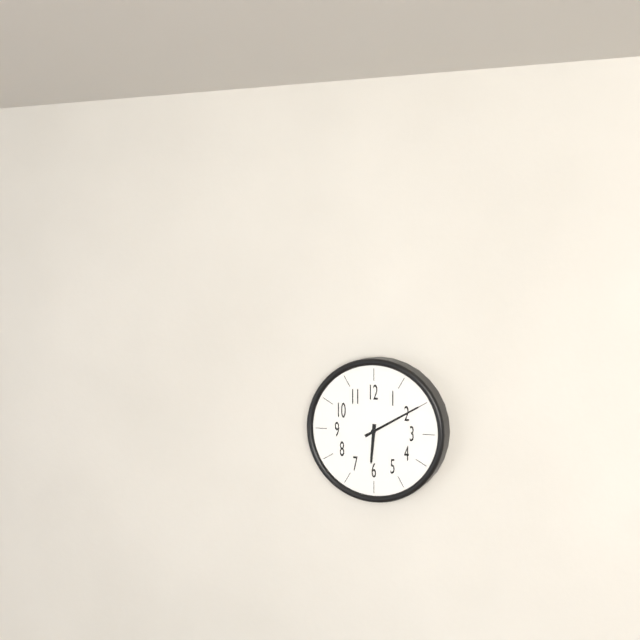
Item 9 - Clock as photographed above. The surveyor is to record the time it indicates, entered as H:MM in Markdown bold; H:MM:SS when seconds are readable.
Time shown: **6:10**
